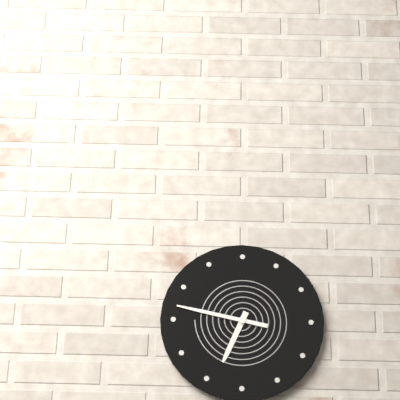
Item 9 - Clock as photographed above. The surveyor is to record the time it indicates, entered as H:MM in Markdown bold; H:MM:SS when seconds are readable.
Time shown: **6:47**
